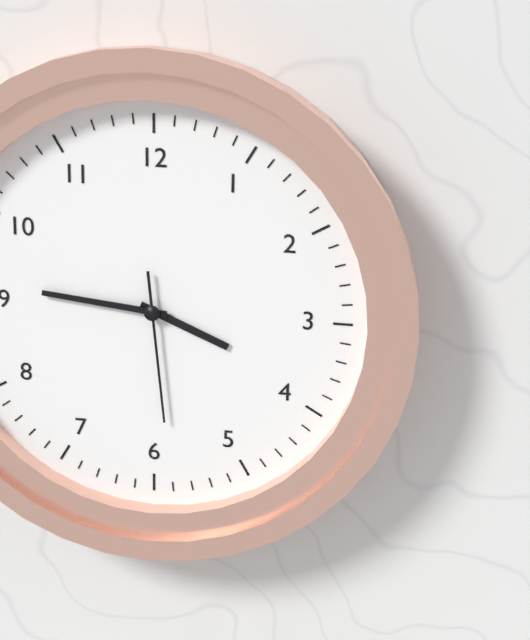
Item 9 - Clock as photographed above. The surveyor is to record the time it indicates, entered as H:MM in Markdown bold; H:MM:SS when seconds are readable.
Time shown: **3:46:29**
